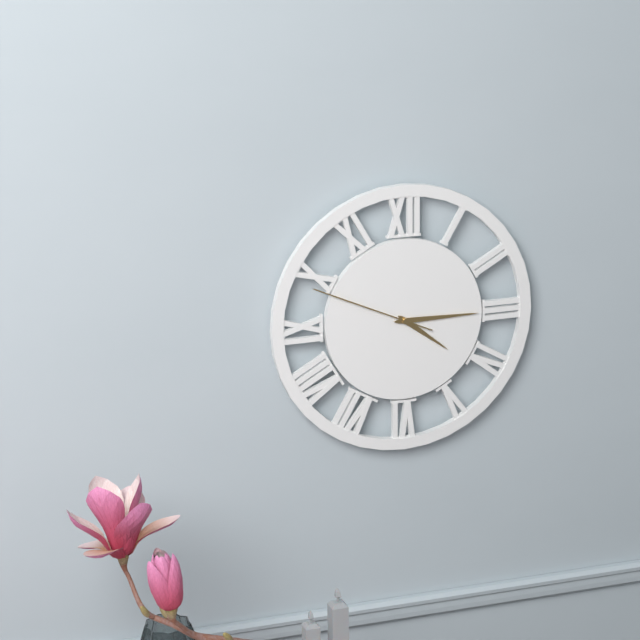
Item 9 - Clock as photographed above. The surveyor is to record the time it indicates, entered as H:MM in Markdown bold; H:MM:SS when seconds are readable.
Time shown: **4:15:49**
